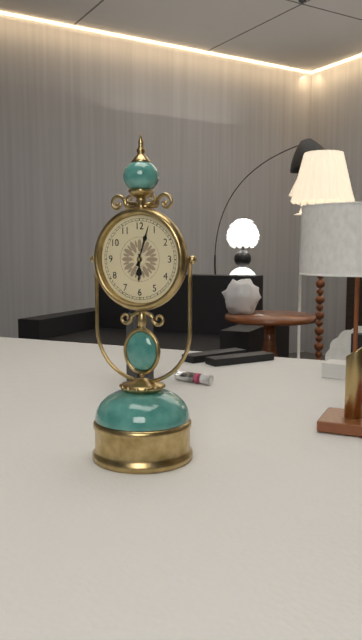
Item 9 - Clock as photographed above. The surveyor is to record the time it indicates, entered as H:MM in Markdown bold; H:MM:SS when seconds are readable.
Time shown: **6:03**
